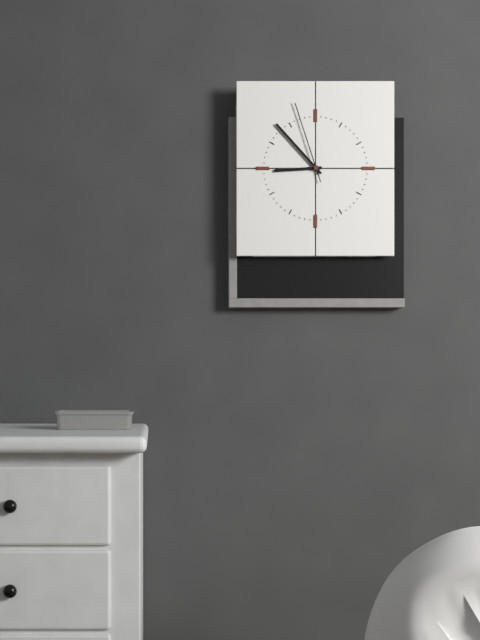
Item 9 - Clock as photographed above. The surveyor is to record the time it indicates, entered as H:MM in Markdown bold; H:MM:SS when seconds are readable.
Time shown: **8:53:57**
